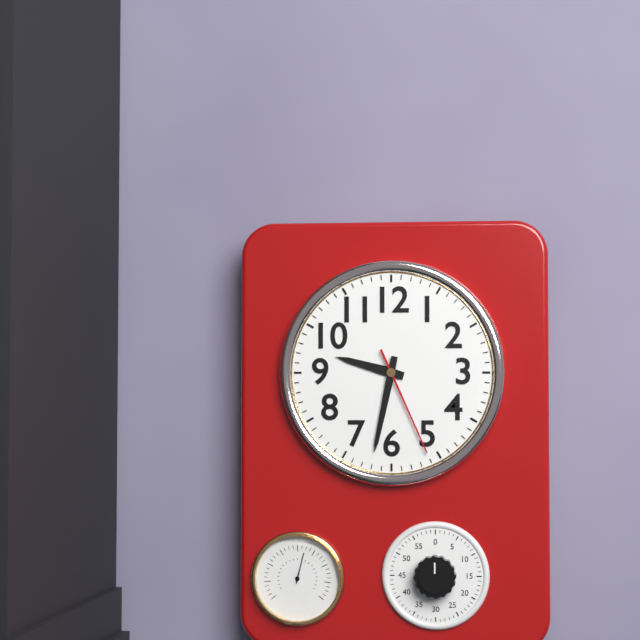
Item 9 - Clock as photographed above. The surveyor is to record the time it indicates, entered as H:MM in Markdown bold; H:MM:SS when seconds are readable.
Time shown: **9:32:26**
